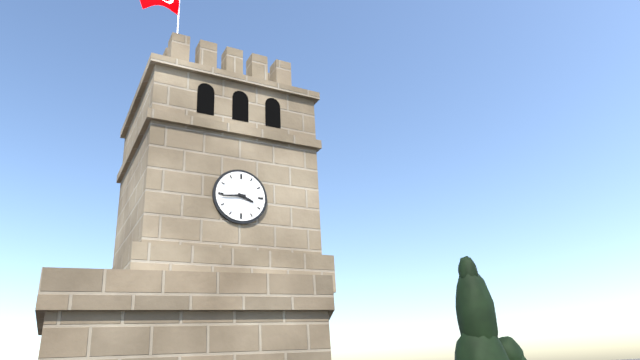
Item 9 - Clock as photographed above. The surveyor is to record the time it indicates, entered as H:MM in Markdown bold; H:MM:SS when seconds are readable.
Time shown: **3:44**
